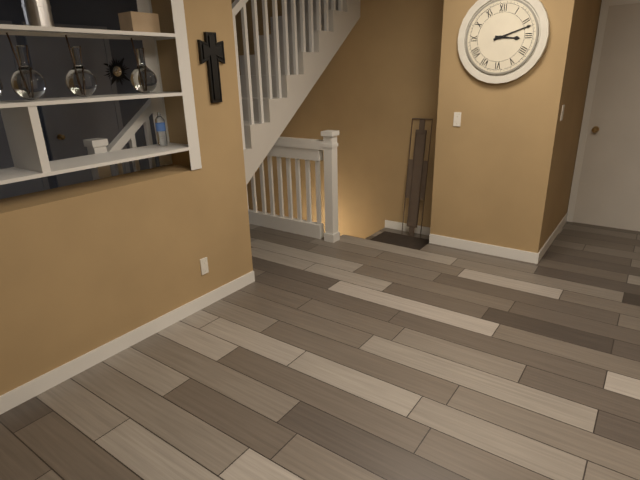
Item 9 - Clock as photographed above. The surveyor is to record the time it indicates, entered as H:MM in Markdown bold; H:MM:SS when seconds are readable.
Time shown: **3:12**
